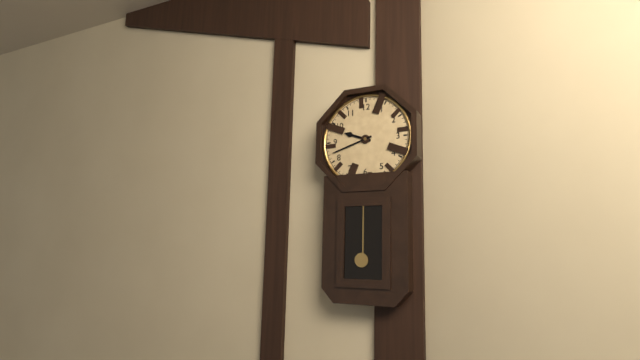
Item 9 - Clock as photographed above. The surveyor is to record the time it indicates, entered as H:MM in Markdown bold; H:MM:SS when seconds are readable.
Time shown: **9:42**
